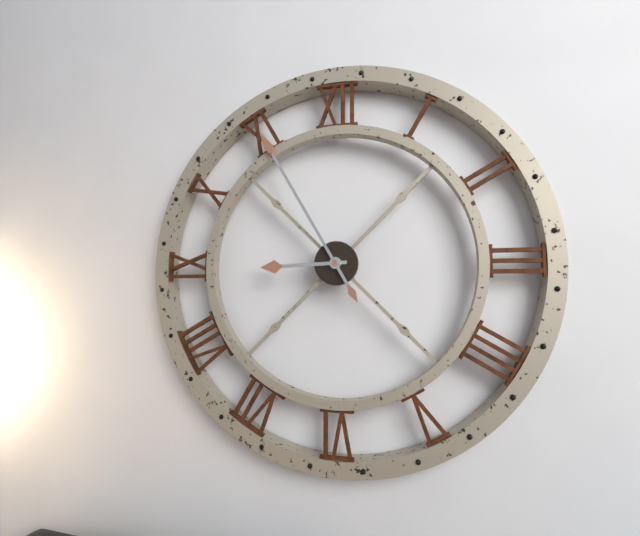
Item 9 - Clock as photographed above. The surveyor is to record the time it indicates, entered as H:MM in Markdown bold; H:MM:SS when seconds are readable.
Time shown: **8:55**
